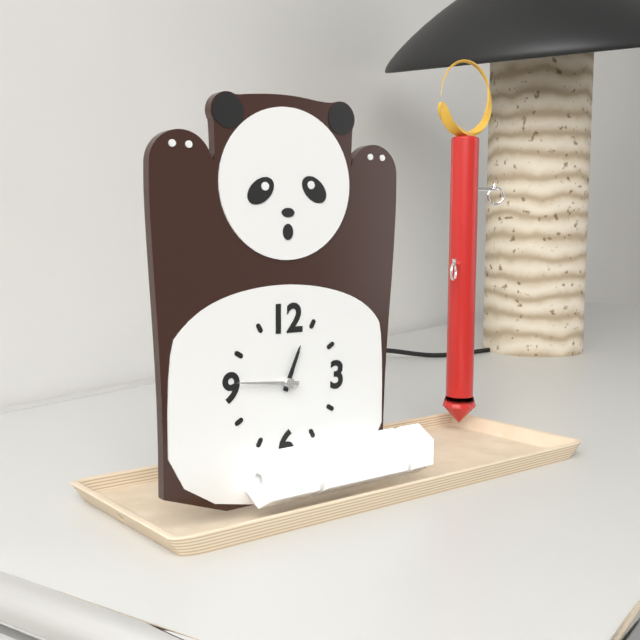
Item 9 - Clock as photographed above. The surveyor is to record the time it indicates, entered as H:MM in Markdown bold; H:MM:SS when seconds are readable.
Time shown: **12:46**
